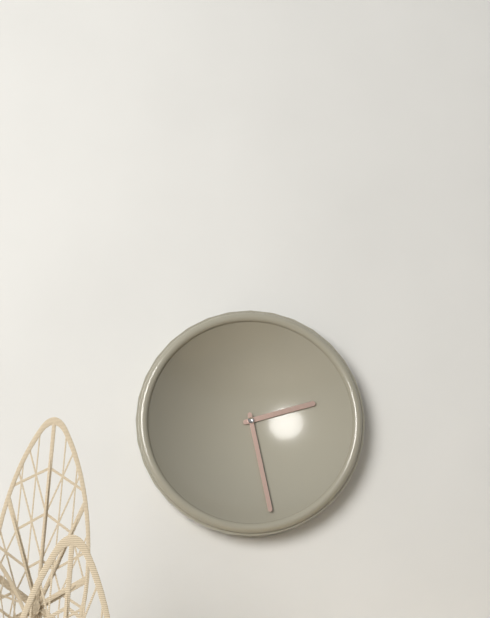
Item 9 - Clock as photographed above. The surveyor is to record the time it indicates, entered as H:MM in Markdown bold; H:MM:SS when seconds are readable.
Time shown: **2:28**
